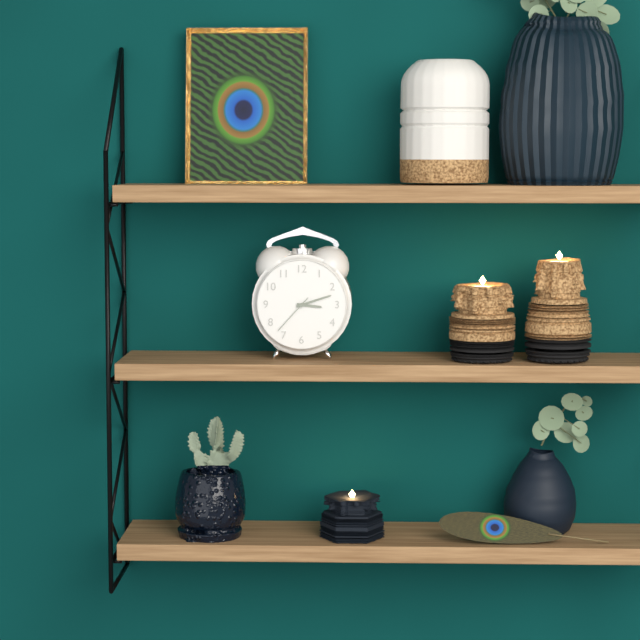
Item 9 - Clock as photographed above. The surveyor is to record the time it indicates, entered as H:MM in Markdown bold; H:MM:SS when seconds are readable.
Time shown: **3:12**
